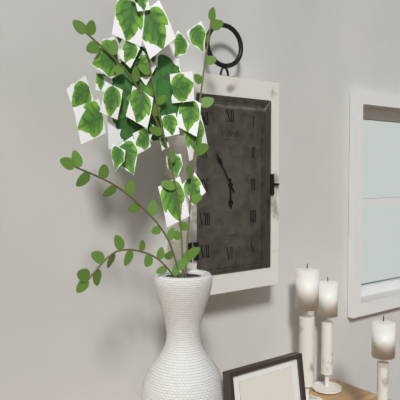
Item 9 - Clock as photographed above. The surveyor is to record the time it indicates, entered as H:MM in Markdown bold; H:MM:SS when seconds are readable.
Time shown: **5:55**
